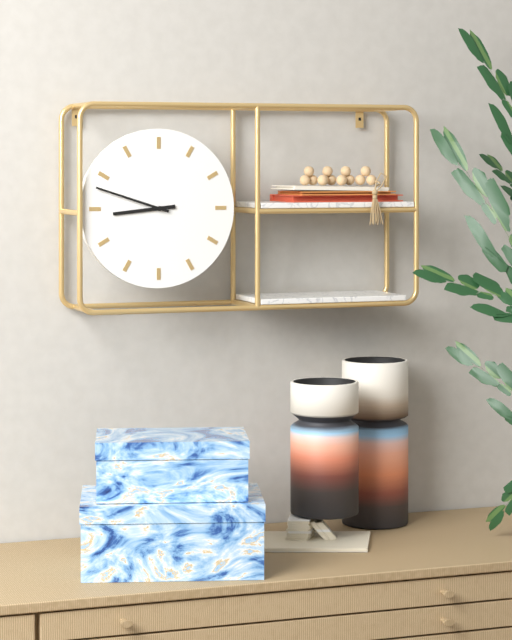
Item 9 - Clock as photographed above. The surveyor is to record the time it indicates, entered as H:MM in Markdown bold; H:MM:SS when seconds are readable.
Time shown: **8:48**
